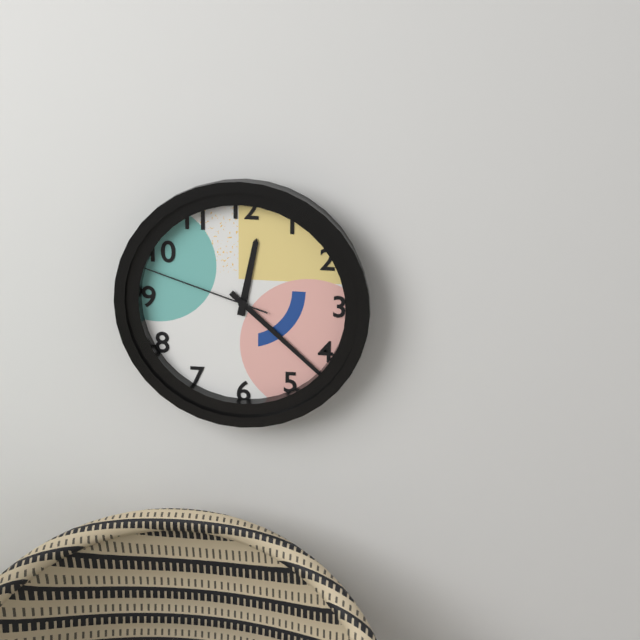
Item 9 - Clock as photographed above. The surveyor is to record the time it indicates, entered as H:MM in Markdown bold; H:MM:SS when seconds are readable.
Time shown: **12:22:48**
